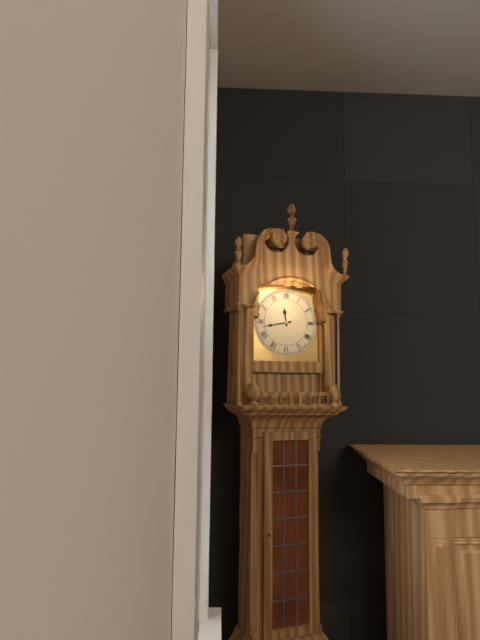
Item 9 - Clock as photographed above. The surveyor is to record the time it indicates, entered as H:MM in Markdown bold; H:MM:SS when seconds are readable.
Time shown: **11:43**
